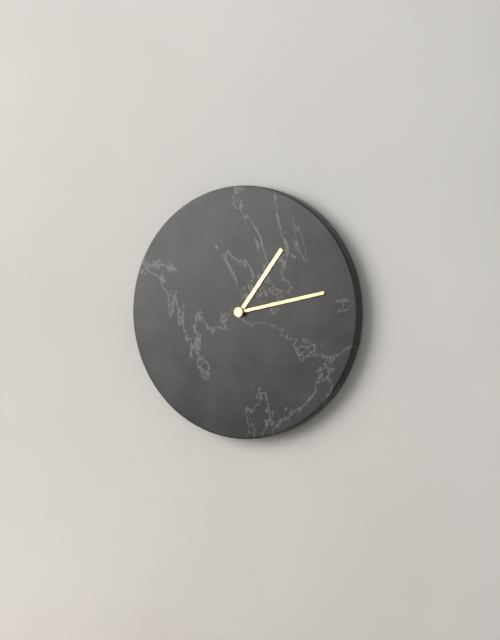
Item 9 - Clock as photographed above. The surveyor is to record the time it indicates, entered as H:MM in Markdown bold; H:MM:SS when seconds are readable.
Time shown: **1:13**
